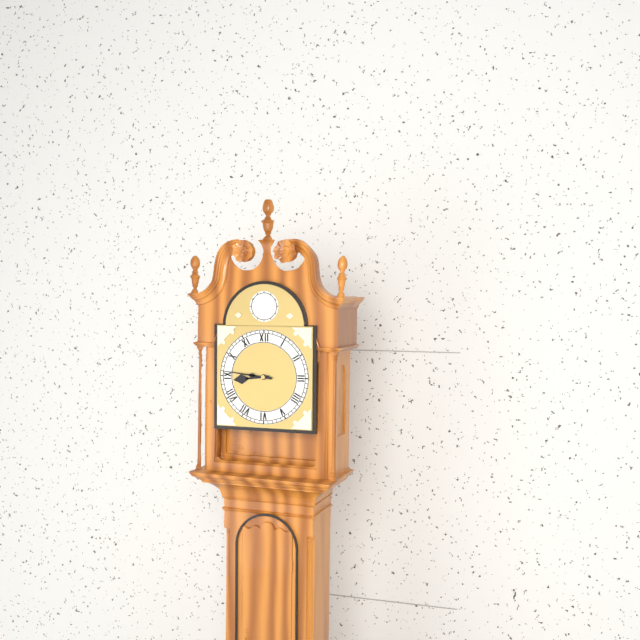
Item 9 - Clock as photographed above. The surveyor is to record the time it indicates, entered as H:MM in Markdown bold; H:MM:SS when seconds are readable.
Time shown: **8:46**
